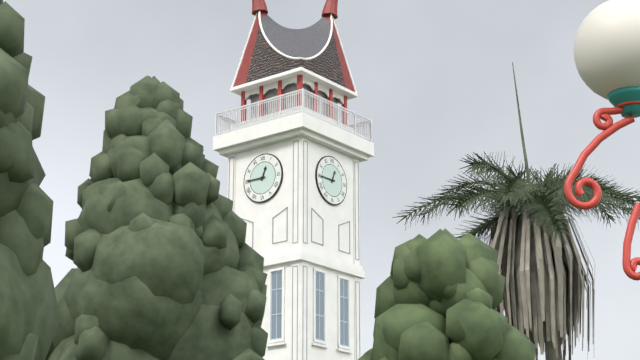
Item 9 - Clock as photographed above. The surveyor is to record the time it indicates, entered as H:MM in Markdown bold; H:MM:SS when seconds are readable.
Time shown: **12:45**
